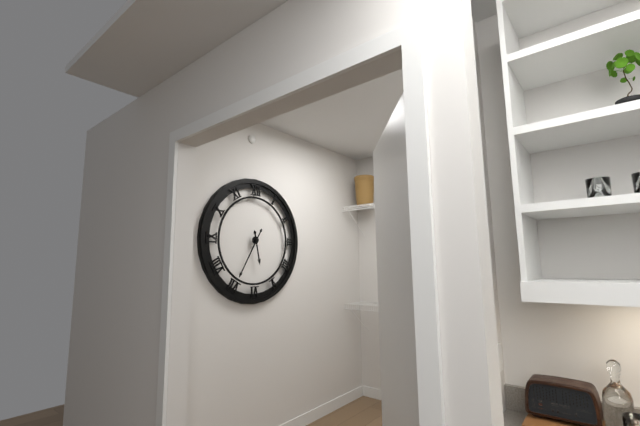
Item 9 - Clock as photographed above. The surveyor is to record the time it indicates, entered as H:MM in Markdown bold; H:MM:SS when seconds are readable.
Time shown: **5:35**
